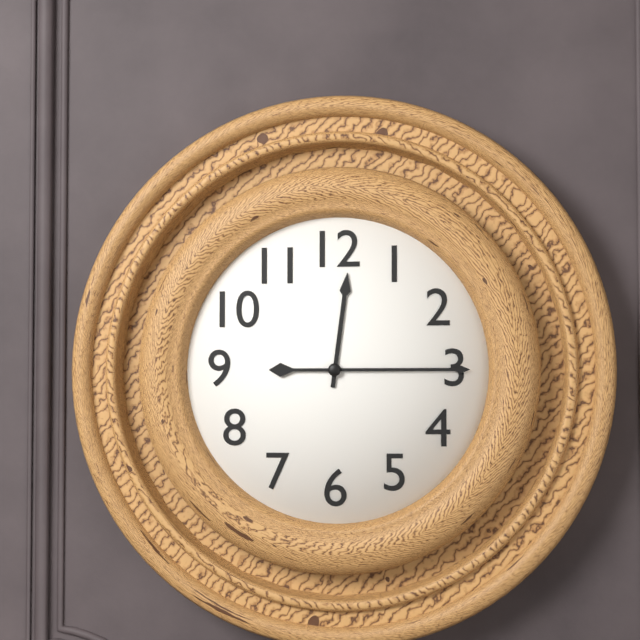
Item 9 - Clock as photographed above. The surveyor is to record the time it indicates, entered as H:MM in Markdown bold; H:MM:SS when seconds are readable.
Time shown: **12:15**
